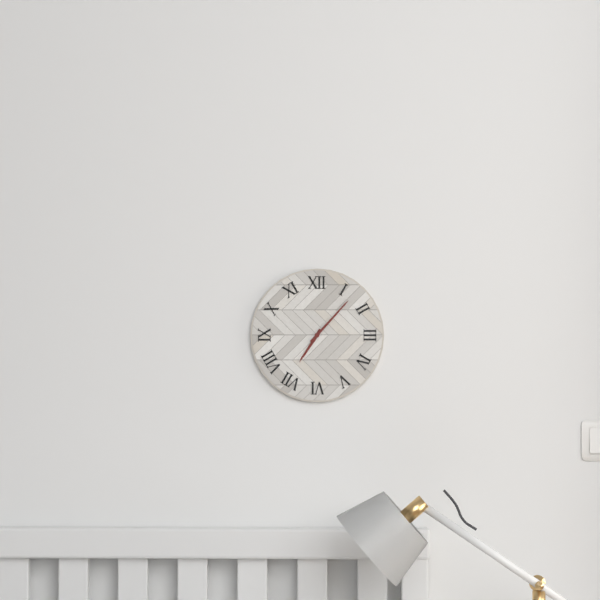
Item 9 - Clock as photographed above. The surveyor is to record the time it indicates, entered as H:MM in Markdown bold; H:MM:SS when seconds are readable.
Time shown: **7:07**
